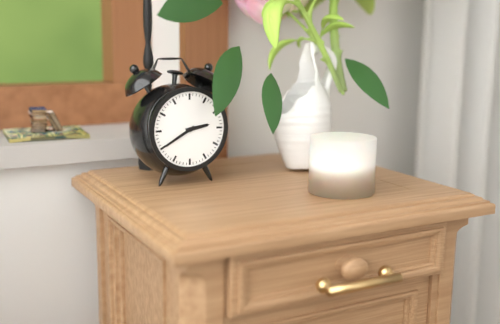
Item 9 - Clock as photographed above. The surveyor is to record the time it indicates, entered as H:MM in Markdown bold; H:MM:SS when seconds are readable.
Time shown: **2:40**
